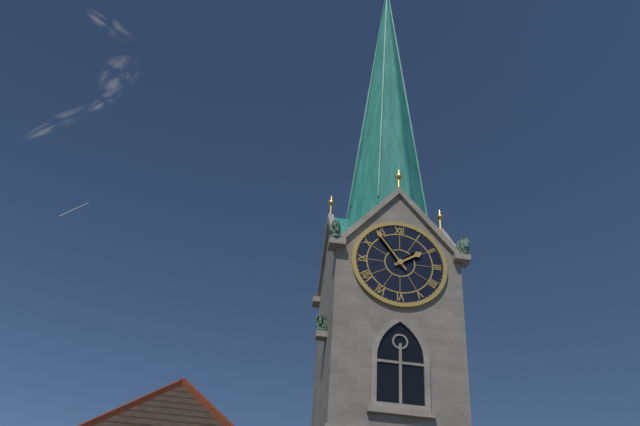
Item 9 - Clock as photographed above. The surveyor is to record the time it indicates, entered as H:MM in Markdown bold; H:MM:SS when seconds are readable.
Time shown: **1:54**
